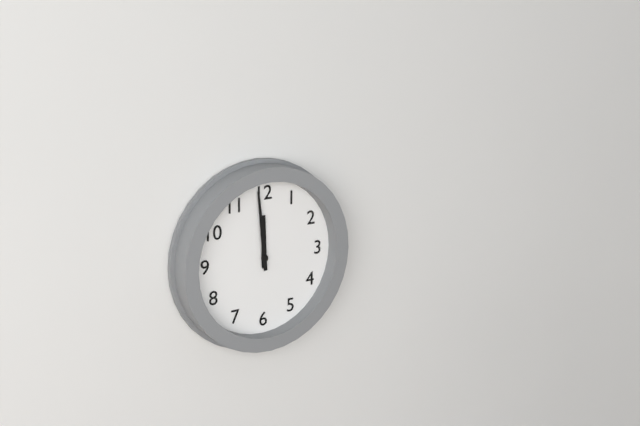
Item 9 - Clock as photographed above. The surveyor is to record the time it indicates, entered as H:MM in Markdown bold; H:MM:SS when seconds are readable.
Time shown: **11:59**
